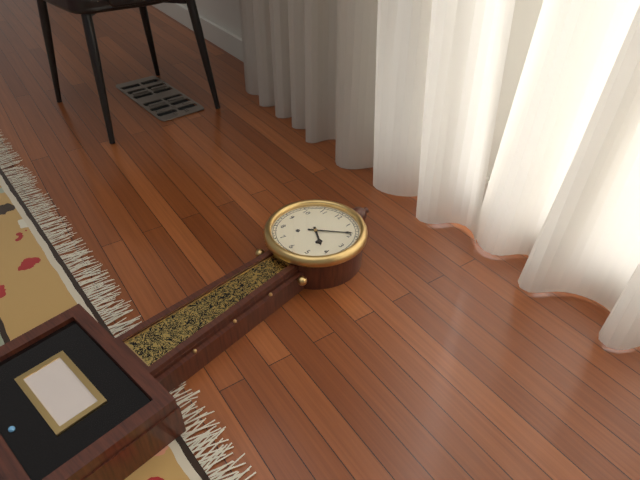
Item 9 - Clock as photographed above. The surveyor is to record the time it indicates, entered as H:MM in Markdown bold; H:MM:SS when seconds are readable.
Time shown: **4:09**
